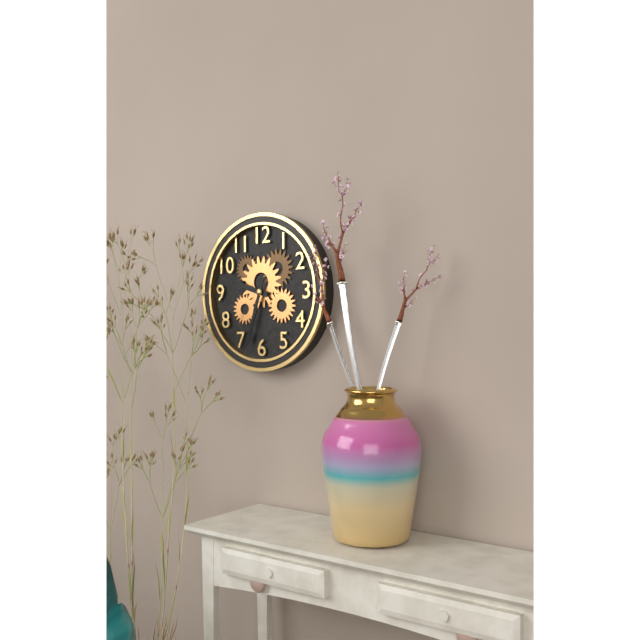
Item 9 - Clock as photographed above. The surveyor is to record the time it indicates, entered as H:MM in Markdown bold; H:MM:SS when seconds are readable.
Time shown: **9:33**
